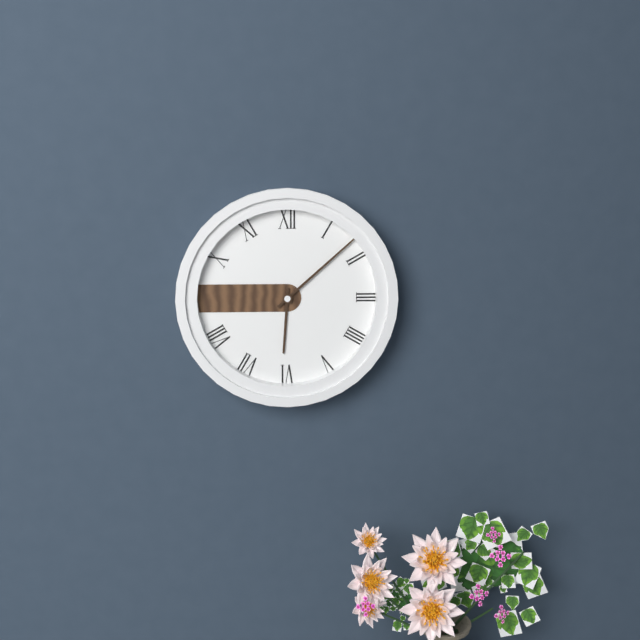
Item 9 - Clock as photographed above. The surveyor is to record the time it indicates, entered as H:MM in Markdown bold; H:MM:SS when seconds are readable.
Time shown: **6:08**
